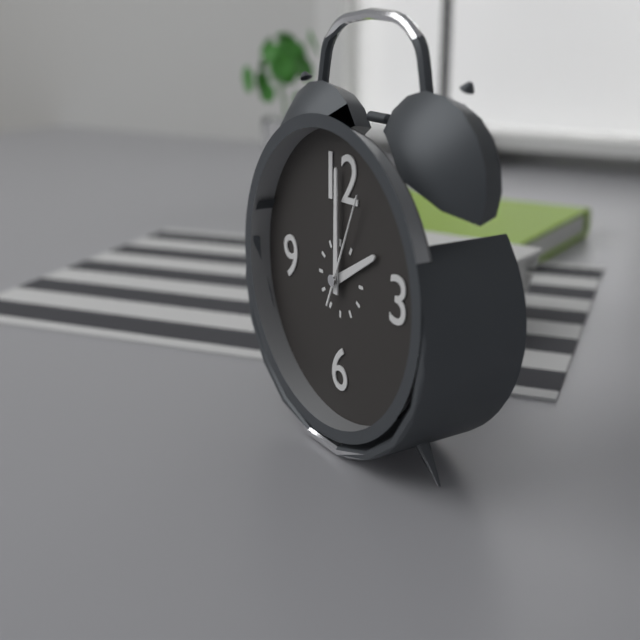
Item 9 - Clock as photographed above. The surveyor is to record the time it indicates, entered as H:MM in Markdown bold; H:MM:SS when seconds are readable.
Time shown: **2:00:04**
